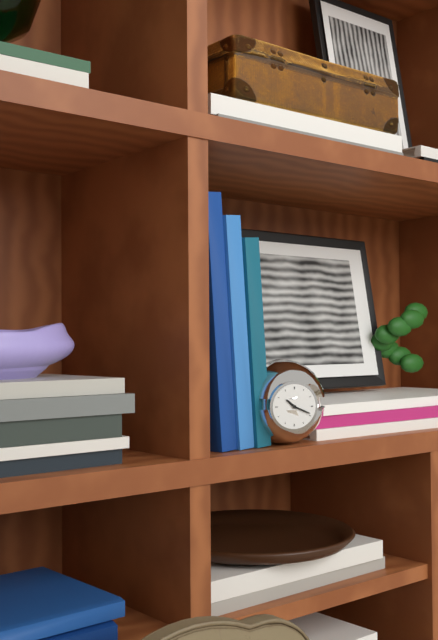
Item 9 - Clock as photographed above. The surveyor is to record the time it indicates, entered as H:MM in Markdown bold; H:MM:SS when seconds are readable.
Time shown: **10:19**
